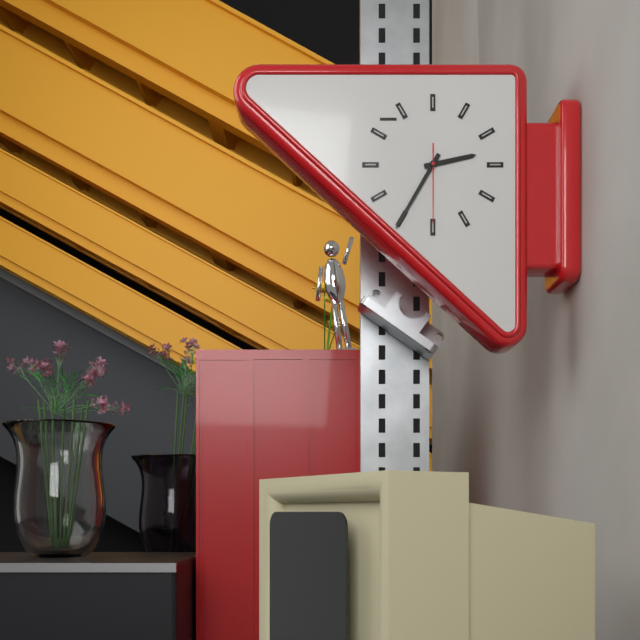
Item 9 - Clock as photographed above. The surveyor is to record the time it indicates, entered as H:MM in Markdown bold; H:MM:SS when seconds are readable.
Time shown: **2:35:30**
